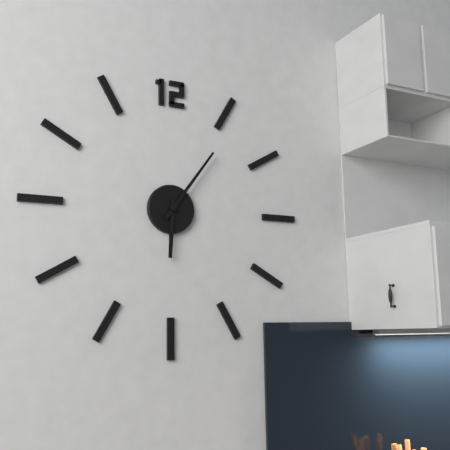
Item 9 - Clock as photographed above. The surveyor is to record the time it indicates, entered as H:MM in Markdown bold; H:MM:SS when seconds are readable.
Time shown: **6:06**
